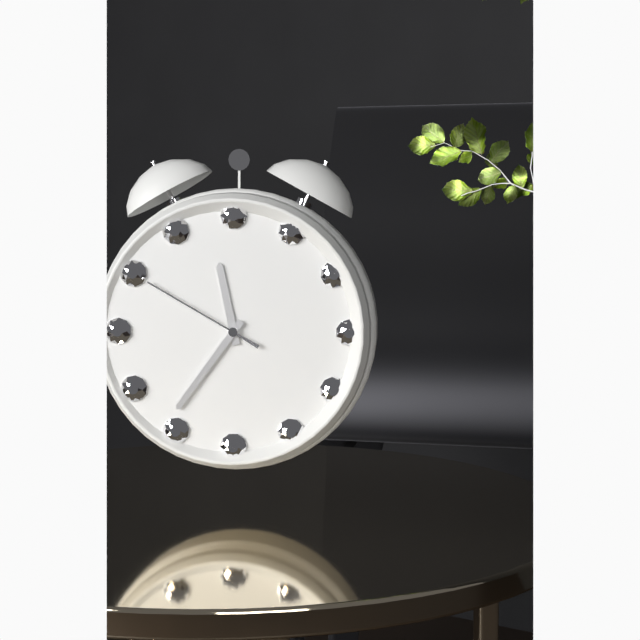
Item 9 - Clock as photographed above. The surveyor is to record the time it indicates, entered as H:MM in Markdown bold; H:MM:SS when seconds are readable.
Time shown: **11:36:50**
